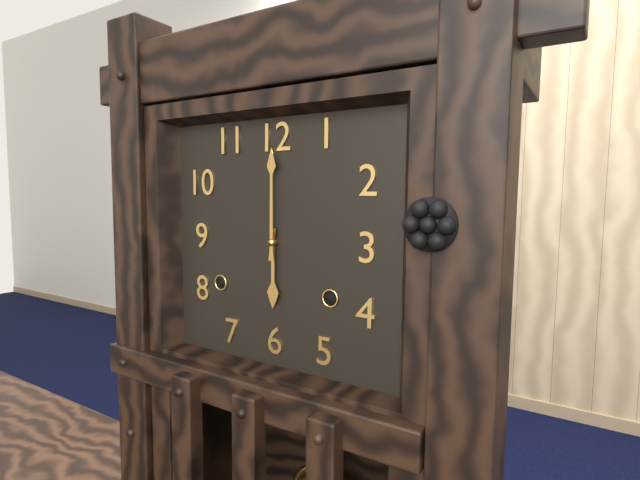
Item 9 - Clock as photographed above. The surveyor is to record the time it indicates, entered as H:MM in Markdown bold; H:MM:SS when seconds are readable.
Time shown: **6:00**
